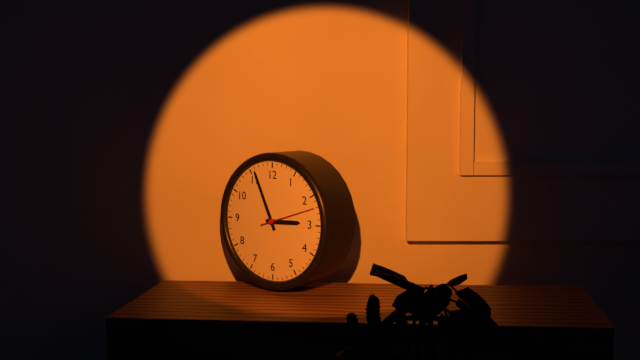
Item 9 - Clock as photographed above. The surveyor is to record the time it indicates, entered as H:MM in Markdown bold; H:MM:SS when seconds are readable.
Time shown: **2:56:12**
